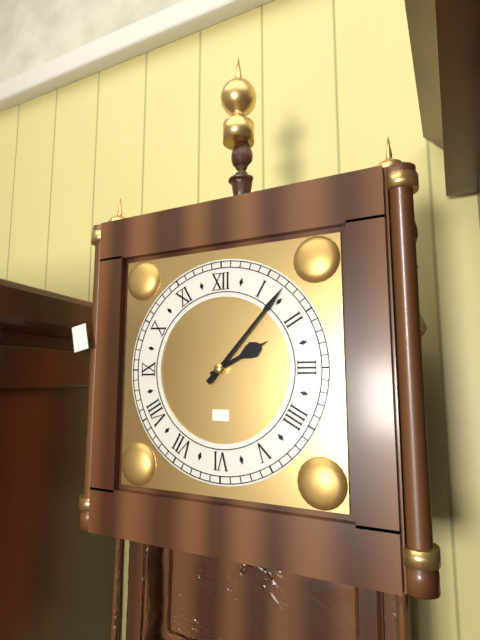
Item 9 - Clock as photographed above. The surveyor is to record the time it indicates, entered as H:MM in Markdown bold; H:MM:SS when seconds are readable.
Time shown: **2:07**
